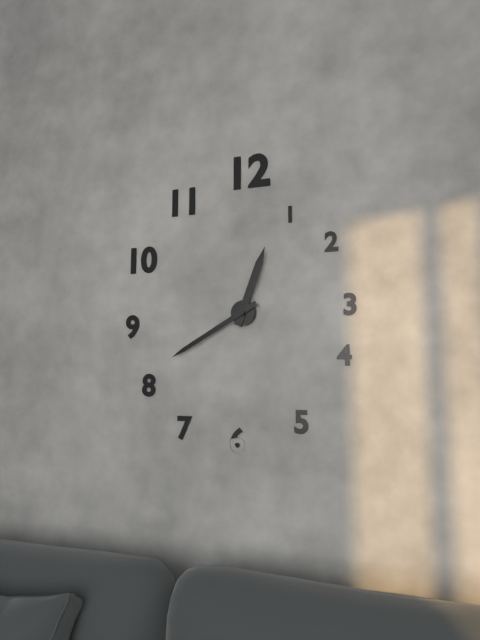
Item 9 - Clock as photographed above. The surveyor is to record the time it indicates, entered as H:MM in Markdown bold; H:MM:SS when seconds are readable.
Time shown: **12:40**
